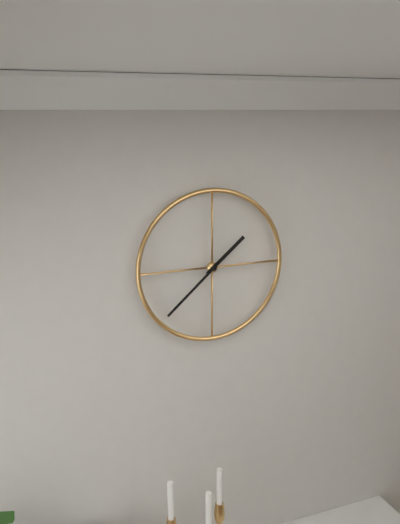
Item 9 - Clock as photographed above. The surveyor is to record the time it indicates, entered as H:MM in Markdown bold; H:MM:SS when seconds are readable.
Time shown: **1:38**
